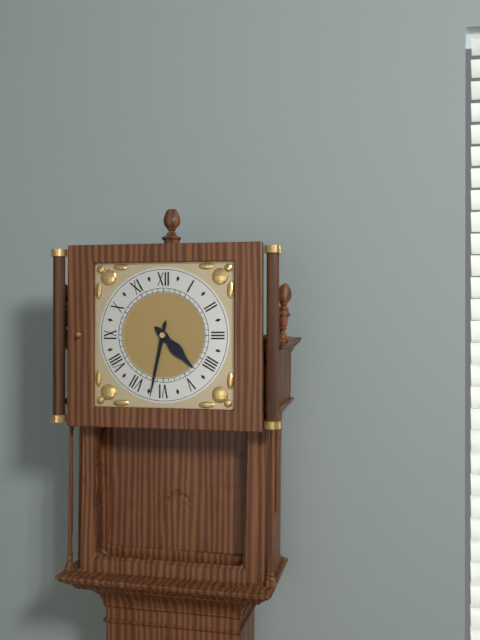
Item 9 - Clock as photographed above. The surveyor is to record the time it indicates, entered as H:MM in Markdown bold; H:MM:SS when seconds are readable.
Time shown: **4:32**
